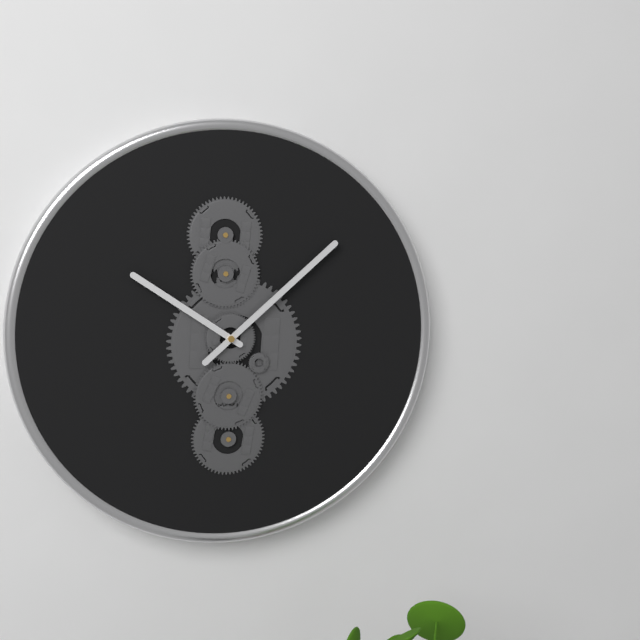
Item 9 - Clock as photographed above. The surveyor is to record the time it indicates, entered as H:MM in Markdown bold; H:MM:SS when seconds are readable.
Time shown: **10:08**
